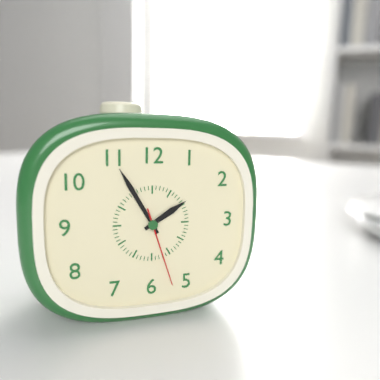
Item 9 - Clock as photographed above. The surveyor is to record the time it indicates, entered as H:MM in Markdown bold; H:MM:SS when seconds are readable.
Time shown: **1:55:27**
